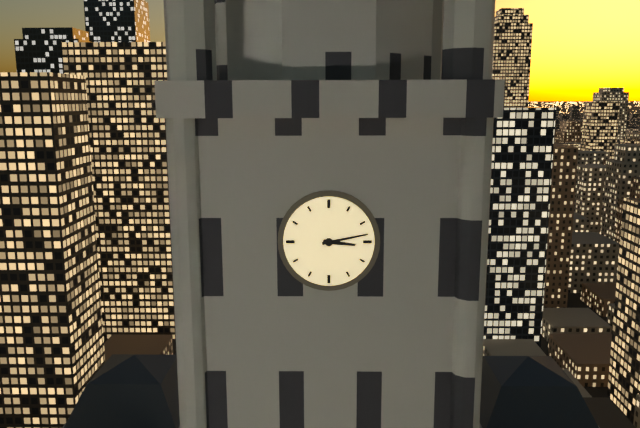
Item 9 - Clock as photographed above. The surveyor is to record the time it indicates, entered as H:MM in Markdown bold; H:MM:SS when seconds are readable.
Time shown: **3:13**
